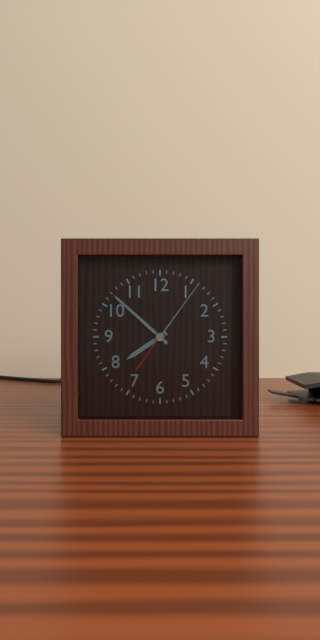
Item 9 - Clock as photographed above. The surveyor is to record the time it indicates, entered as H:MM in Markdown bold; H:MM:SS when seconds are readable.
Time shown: **7:52:06**
